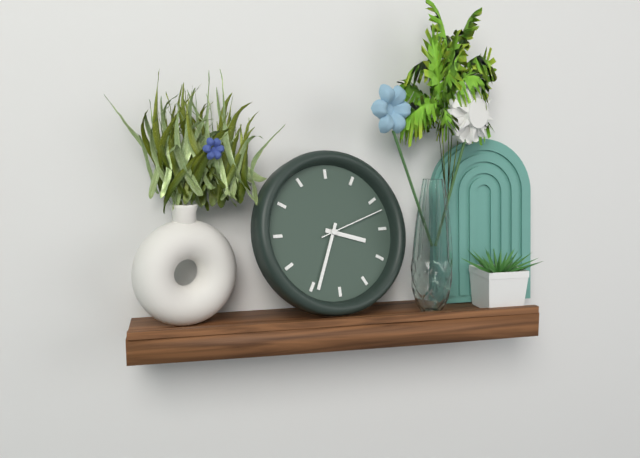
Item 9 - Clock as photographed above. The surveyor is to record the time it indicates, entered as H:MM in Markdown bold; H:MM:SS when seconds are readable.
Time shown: **3:34:12**
